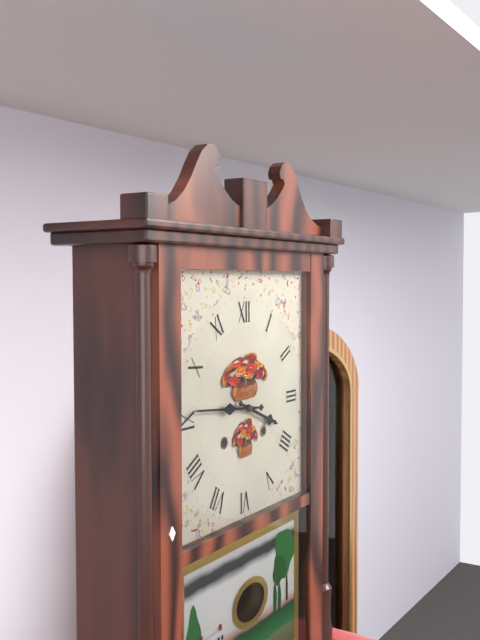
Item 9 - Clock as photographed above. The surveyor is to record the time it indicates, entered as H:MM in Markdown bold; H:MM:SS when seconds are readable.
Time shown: **3:46**
